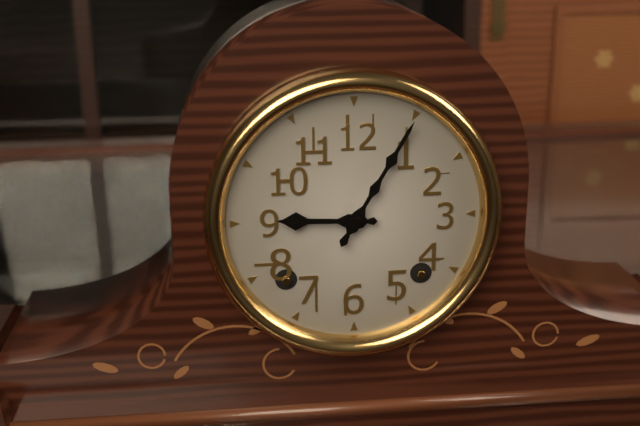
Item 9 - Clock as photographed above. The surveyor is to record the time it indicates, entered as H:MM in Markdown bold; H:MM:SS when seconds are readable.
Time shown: **9:05**
